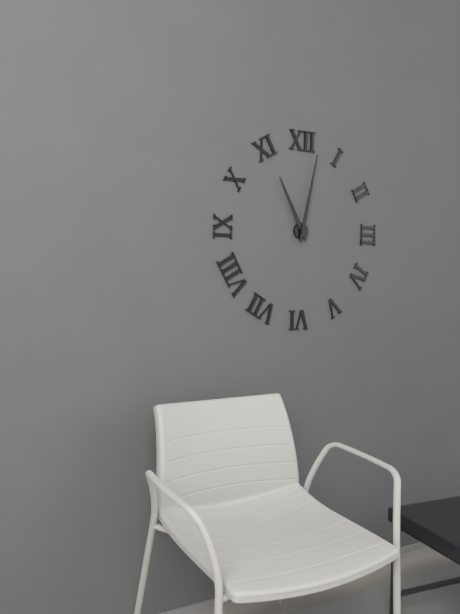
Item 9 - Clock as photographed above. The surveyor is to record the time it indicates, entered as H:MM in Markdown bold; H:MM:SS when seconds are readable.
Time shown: **11:02**
